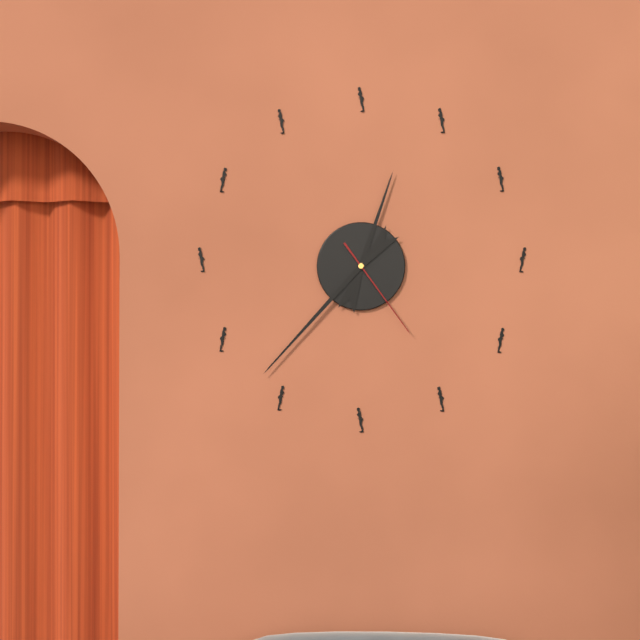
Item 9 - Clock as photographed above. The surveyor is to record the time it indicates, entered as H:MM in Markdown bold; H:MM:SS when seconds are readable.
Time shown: **12:37:24**
